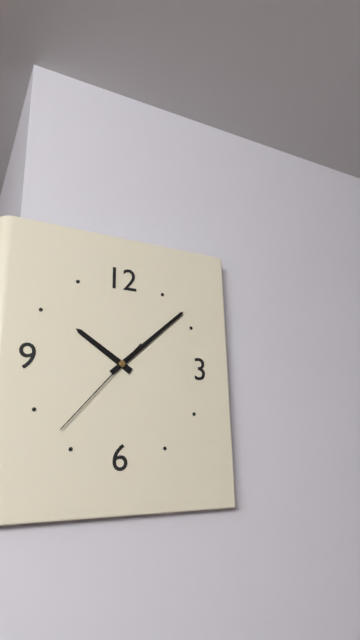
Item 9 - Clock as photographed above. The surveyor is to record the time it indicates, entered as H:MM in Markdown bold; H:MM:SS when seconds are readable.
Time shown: **10:08:37**
